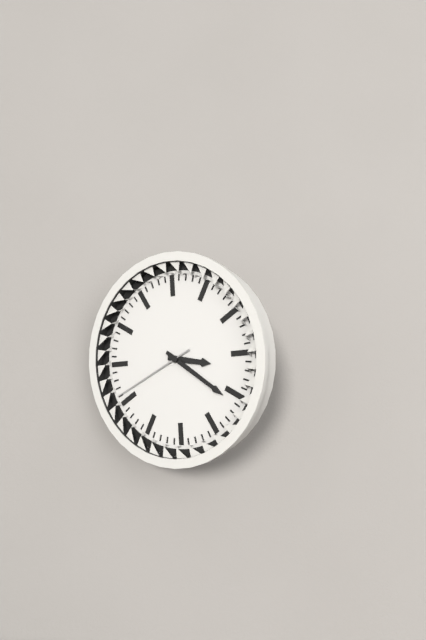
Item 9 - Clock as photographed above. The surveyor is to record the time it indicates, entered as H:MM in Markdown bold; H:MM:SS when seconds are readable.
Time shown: **3:21:41**
